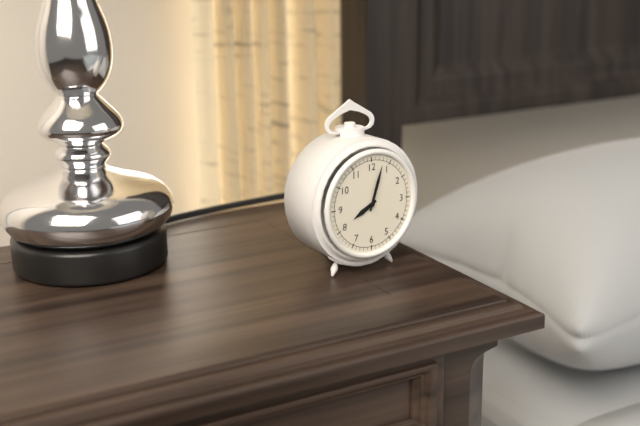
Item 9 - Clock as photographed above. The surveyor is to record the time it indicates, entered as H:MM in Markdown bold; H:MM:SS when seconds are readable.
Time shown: **8:03**
